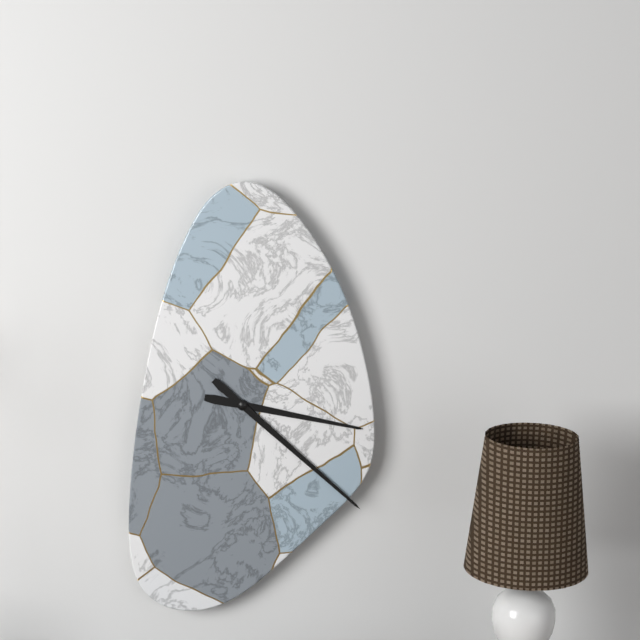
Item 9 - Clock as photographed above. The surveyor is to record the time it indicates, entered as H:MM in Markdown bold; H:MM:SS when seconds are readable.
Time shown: **3:22**
